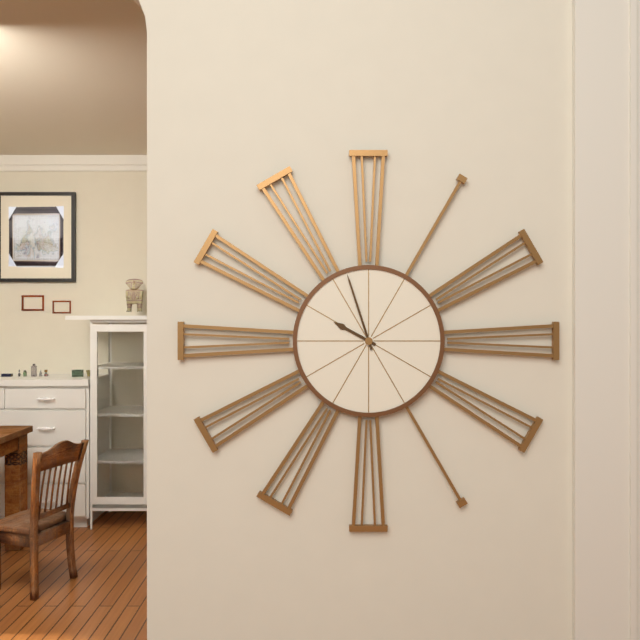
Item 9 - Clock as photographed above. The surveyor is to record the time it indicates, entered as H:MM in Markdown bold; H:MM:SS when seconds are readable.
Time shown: **9:57**
